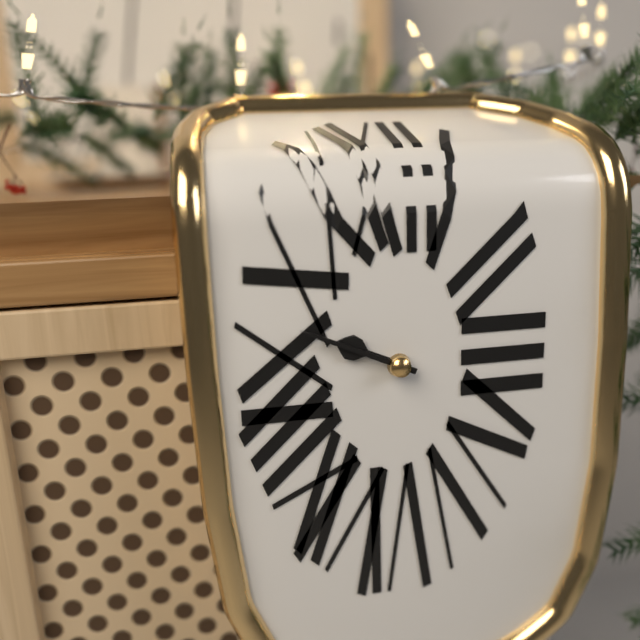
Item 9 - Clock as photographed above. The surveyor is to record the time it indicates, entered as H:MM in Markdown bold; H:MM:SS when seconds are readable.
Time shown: **9:49**
